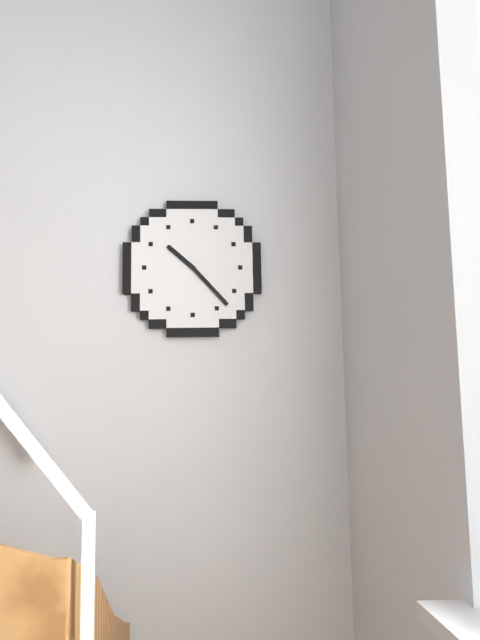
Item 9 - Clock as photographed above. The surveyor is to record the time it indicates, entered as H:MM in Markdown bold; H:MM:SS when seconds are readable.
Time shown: **10:23**
